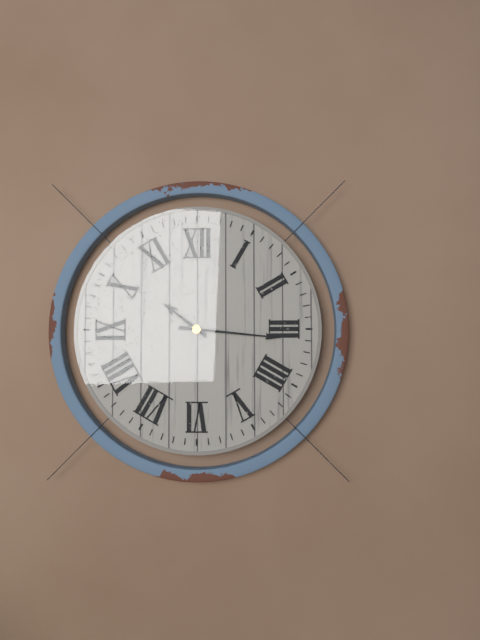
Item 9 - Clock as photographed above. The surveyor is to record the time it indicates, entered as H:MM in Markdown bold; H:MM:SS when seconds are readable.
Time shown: **10:16**
